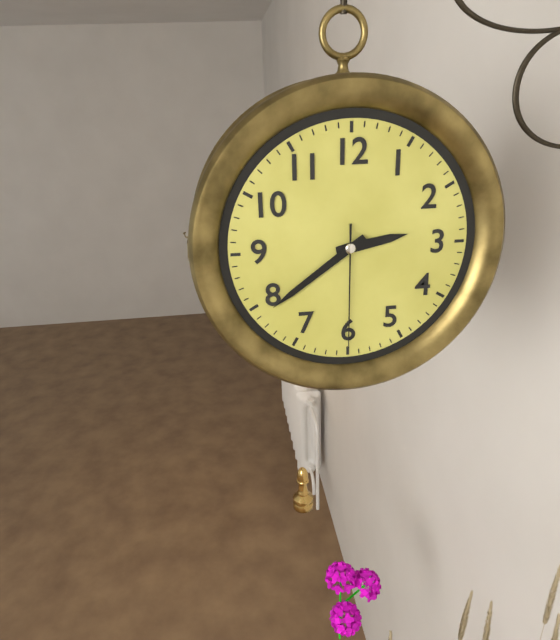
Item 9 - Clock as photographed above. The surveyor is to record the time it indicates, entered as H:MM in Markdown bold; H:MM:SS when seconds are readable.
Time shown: **2:39:30**
